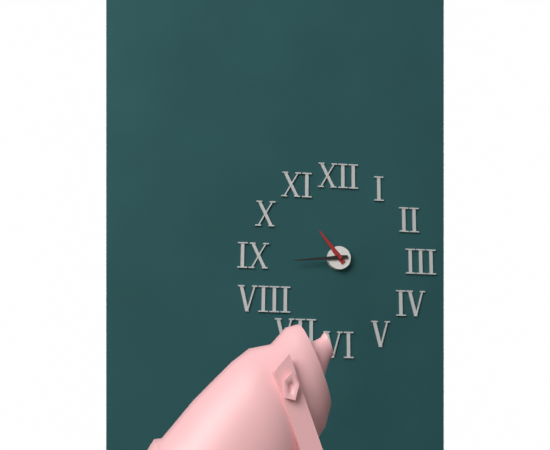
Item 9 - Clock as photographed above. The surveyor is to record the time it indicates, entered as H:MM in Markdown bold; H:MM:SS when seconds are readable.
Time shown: **10:44**
